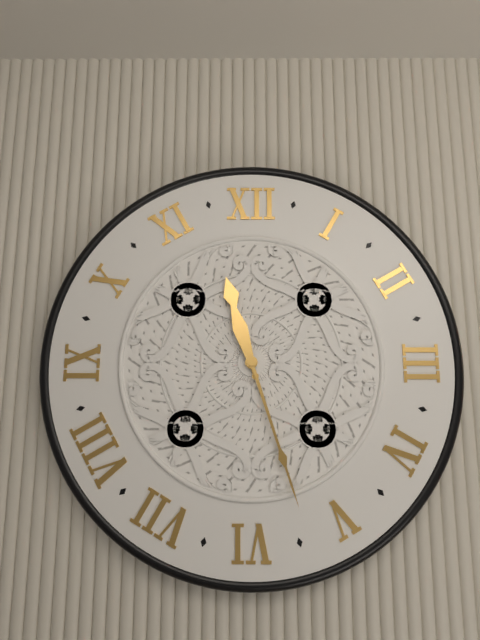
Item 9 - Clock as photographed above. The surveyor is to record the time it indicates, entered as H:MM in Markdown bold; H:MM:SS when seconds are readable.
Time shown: **11:27**
